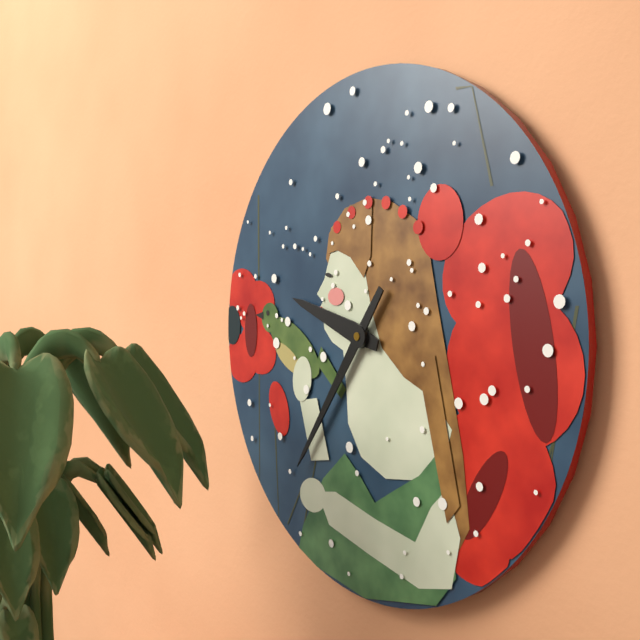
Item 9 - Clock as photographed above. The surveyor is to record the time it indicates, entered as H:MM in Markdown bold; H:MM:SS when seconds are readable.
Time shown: **9:36**
